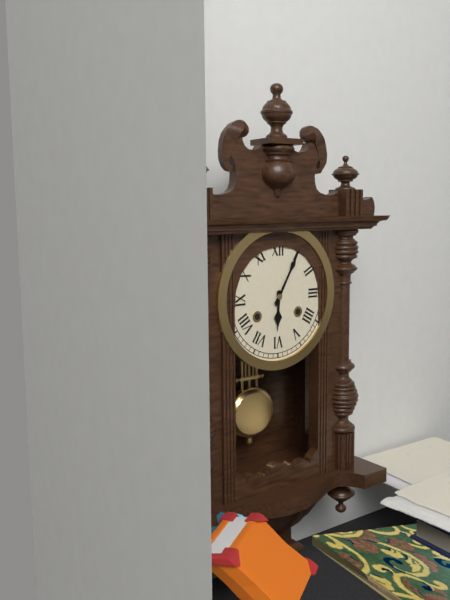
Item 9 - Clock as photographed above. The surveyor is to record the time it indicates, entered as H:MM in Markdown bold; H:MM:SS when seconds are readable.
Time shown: **6:05**
